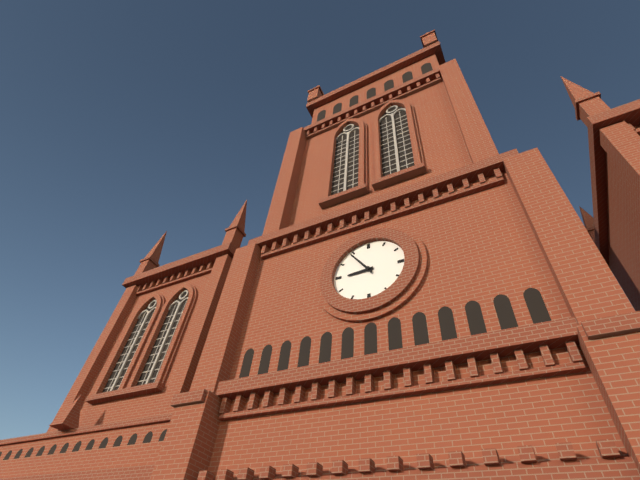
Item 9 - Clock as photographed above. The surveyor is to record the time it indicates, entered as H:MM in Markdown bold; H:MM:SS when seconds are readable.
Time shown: **8:54**
